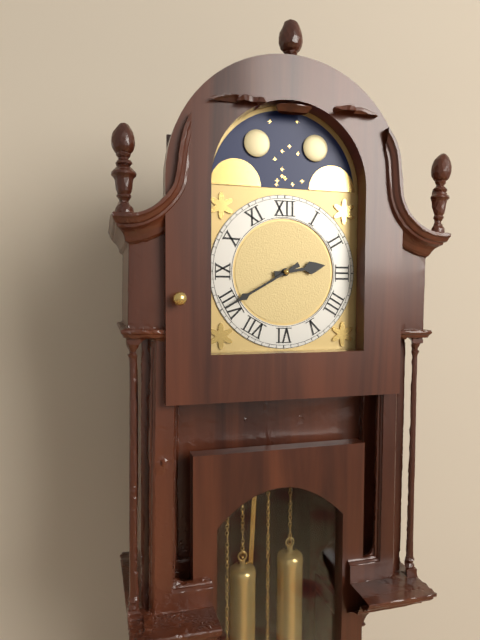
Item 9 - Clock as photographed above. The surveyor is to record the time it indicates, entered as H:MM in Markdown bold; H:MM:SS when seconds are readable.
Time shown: **2:40**
